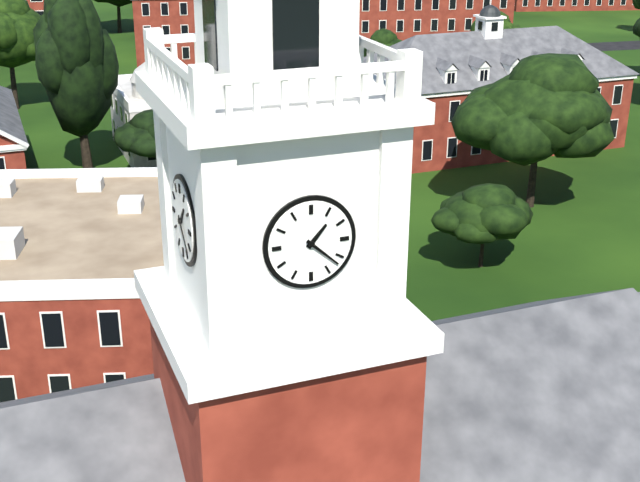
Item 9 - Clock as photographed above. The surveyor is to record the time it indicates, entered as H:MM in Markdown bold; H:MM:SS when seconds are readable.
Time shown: **1:22**
